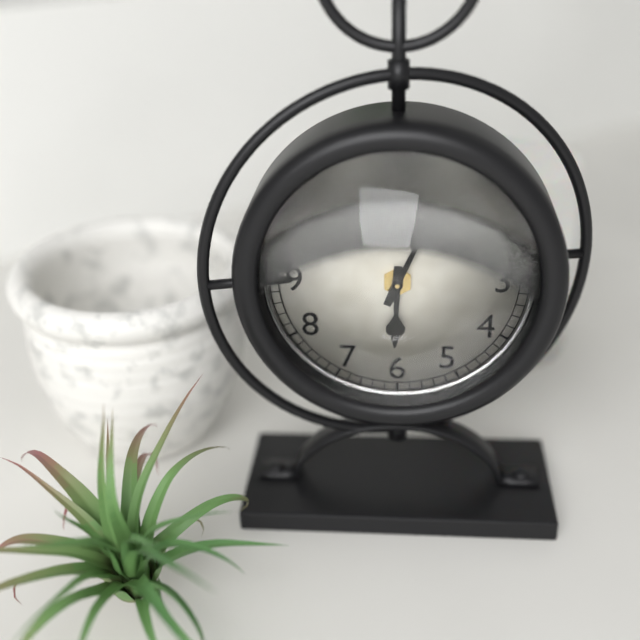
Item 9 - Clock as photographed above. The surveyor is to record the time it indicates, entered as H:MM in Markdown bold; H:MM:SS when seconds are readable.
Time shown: **6:04**
